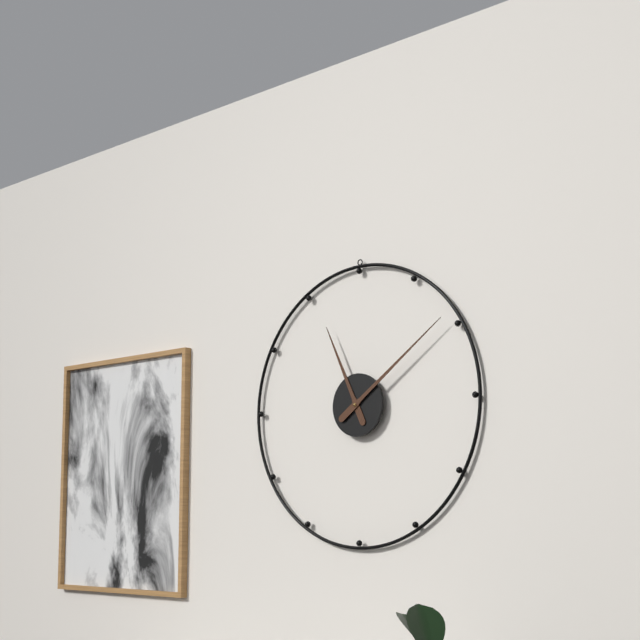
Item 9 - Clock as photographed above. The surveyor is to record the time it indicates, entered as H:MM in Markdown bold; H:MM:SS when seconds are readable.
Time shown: **11:09**
